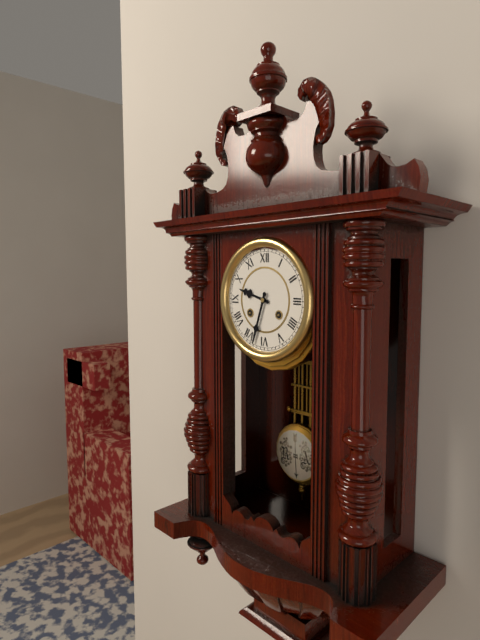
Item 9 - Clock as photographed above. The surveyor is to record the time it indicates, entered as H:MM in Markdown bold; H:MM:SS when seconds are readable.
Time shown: **9:33**
